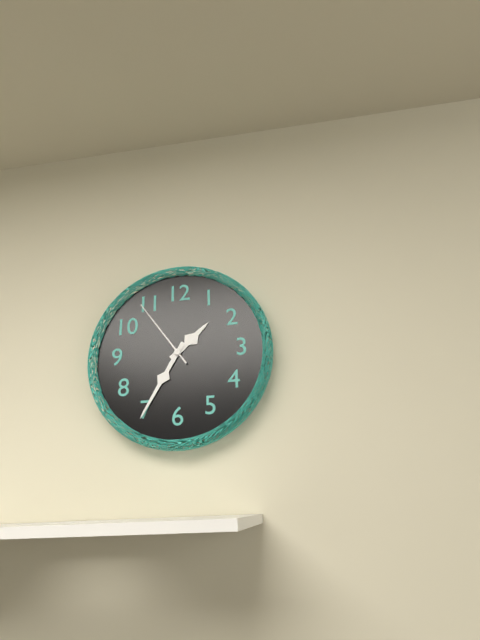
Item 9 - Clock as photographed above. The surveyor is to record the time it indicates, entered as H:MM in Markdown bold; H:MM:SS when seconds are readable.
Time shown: **1:35:54**
